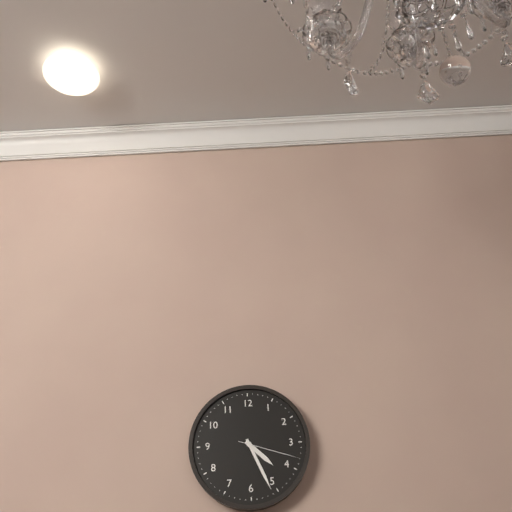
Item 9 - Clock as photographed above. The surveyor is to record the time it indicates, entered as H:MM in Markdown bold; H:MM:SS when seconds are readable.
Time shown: **4:26:18**
